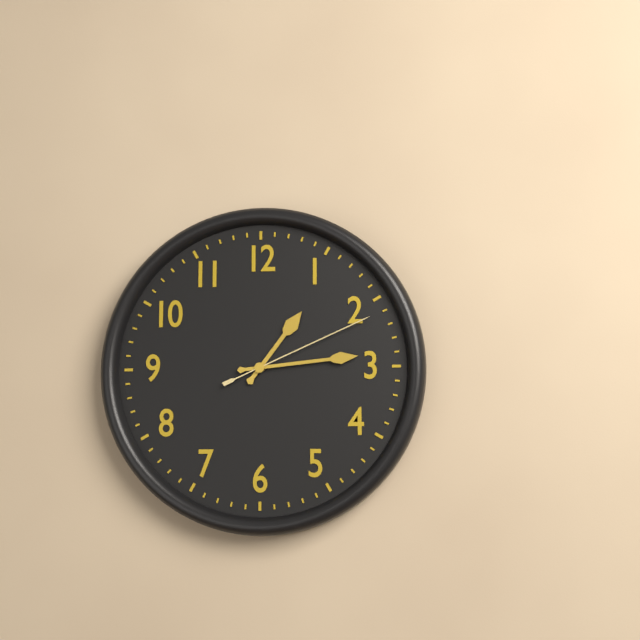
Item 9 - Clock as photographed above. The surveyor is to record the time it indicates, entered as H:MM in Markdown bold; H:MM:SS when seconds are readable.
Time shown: **1:14:11**
